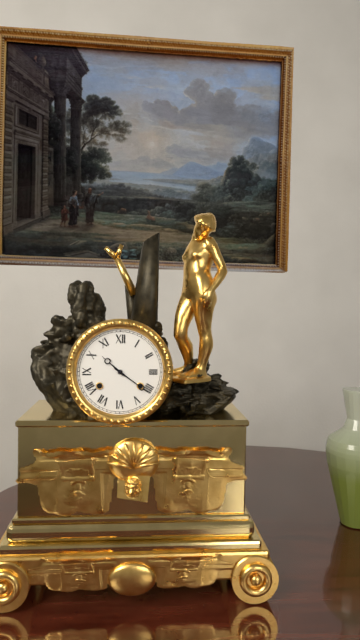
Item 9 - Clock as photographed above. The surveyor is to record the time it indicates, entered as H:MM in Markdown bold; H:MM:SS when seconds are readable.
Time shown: **10:21**
